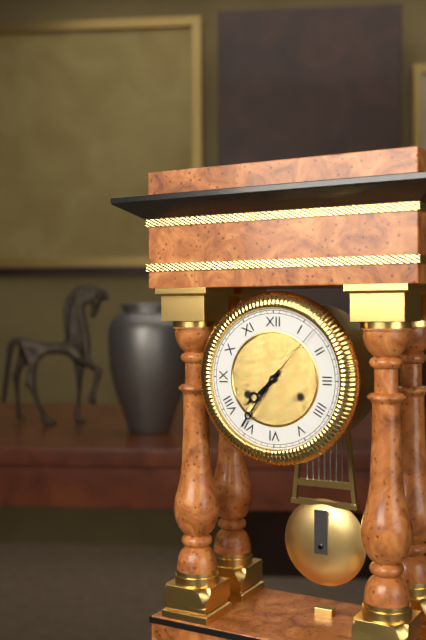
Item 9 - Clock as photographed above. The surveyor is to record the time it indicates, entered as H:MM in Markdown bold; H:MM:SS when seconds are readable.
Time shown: **7:36:07**
